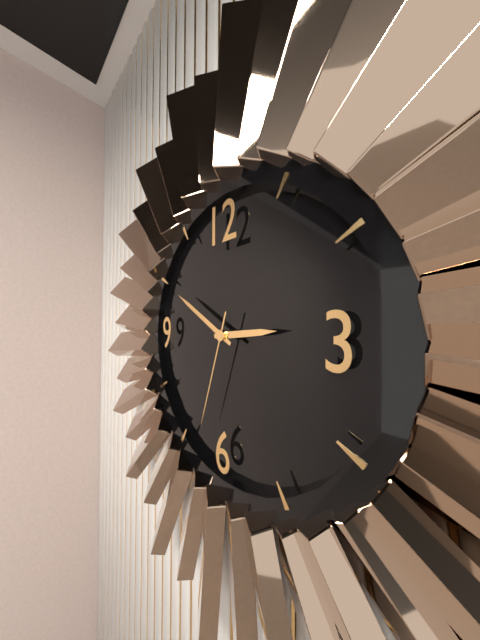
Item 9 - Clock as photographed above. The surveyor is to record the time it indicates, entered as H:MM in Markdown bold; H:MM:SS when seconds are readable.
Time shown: **2:50:33**
